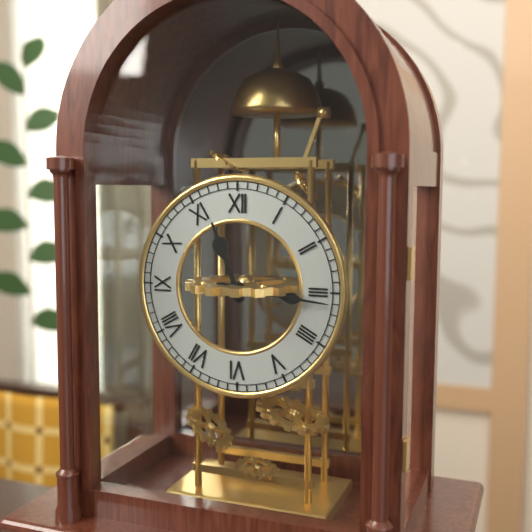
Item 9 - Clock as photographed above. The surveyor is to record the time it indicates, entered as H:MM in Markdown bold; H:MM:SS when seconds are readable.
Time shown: **11:16**
